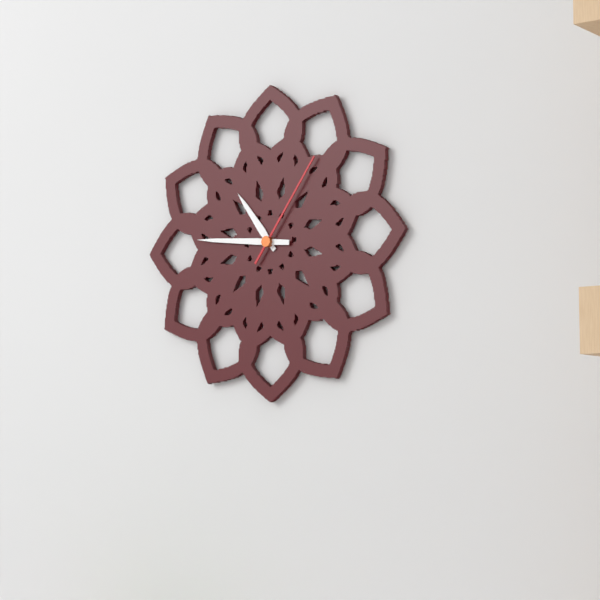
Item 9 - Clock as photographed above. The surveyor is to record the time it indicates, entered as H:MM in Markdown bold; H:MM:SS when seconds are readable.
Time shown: **10:46:06**
